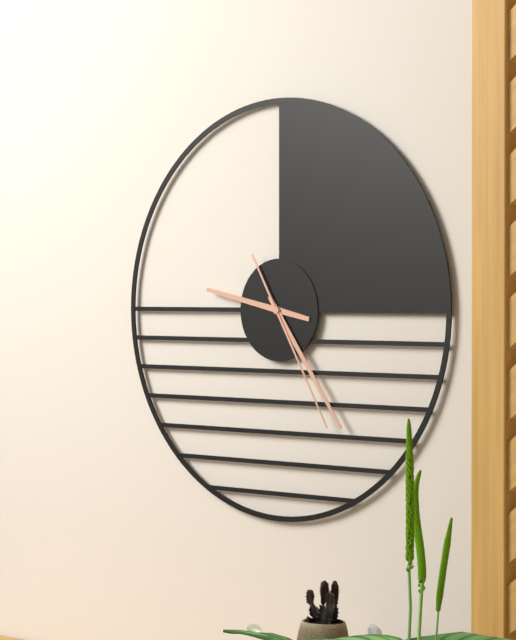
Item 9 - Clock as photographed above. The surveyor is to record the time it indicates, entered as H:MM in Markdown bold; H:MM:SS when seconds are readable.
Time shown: **9:24:25**
